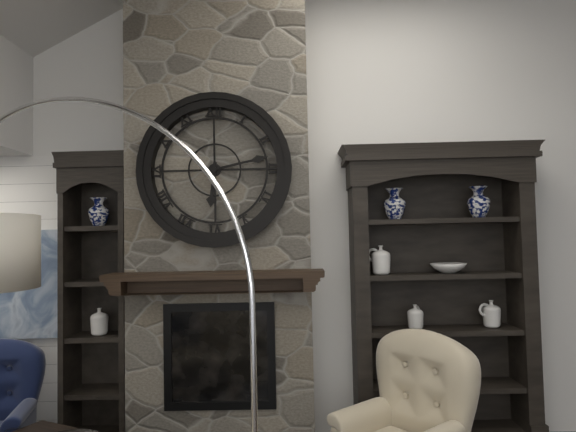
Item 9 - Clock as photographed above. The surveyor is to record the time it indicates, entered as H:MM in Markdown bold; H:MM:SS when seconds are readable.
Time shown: **6:13**
